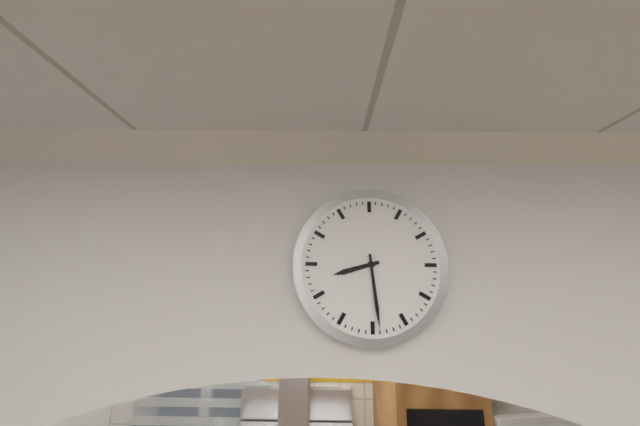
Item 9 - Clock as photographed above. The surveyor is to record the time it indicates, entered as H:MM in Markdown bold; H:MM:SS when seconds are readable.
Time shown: **8:29**
